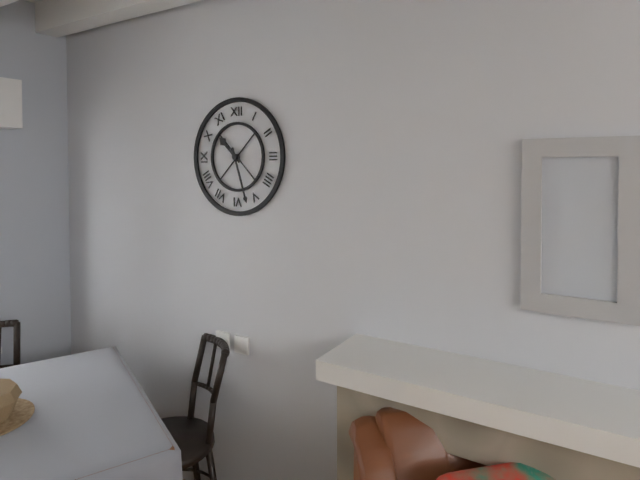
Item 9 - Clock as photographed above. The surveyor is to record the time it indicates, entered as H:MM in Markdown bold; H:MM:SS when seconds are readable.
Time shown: **10:27**
